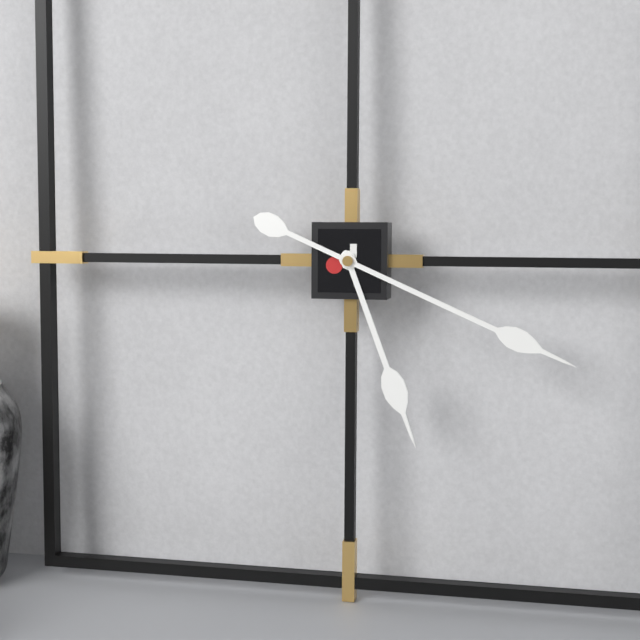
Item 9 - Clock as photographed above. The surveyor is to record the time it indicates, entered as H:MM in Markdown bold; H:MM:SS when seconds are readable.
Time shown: **5:19**
